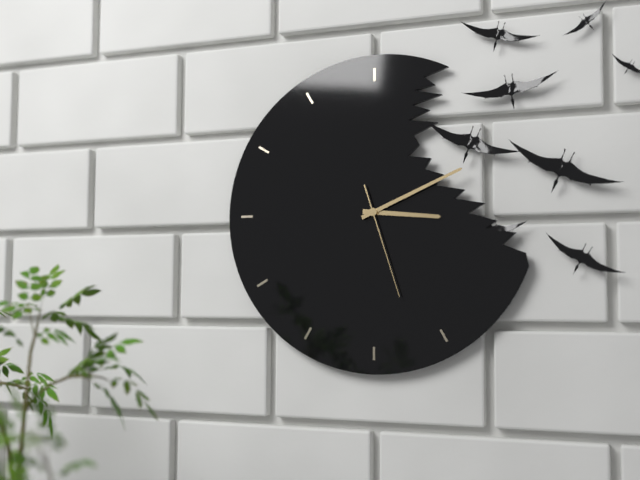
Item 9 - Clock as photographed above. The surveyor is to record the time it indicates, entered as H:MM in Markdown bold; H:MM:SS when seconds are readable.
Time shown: **3:11:27**
